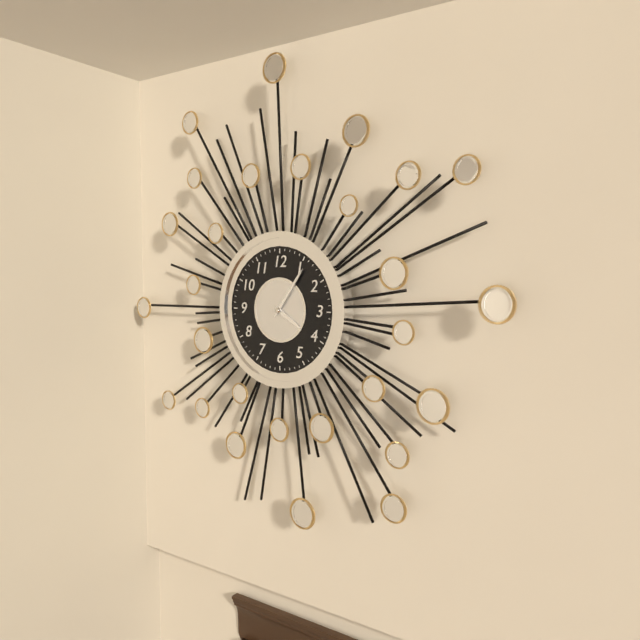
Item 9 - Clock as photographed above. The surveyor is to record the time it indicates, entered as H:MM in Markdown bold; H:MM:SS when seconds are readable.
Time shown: **4:06**
